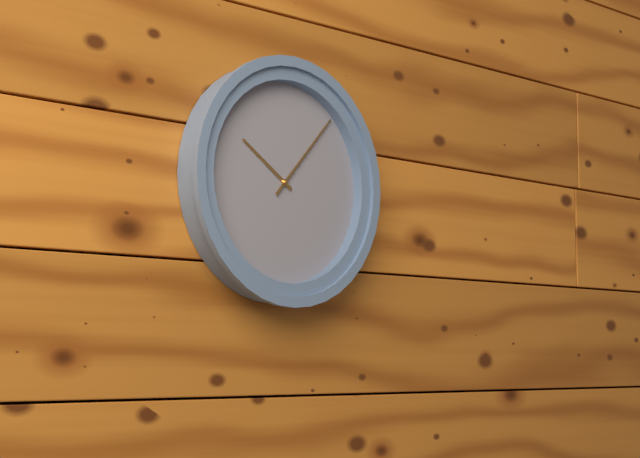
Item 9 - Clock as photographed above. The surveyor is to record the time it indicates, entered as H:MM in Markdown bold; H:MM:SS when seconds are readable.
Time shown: **10:07**
